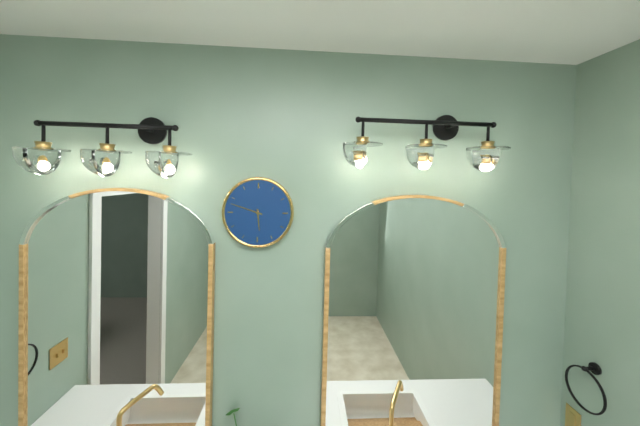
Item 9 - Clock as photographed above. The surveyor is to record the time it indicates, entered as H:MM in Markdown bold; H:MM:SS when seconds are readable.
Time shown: **5:48**
